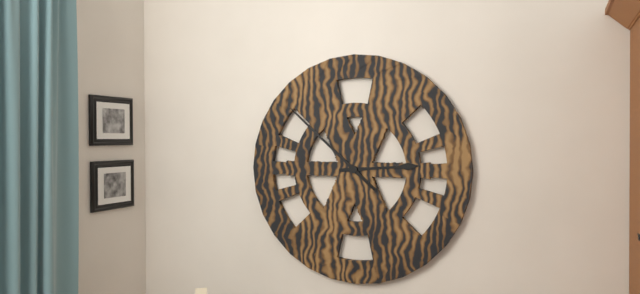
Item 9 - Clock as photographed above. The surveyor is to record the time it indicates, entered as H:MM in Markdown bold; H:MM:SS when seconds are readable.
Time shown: **2:52**
